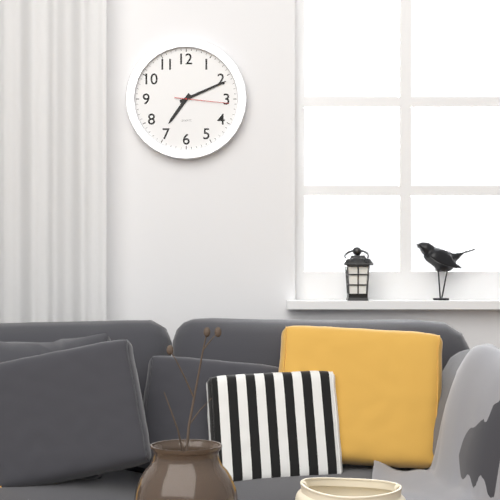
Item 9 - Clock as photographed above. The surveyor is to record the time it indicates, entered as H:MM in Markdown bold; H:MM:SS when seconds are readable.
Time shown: **7:11:16**
